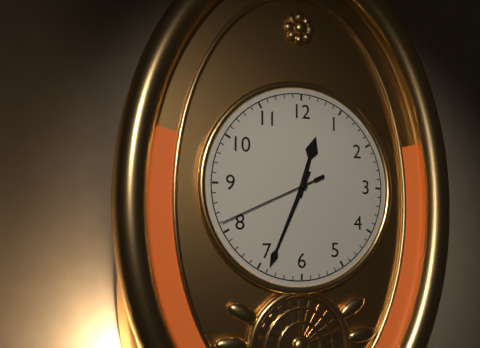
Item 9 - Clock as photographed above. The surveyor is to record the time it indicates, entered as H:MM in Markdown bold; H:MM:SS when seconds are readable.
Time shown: **12:34:41**
